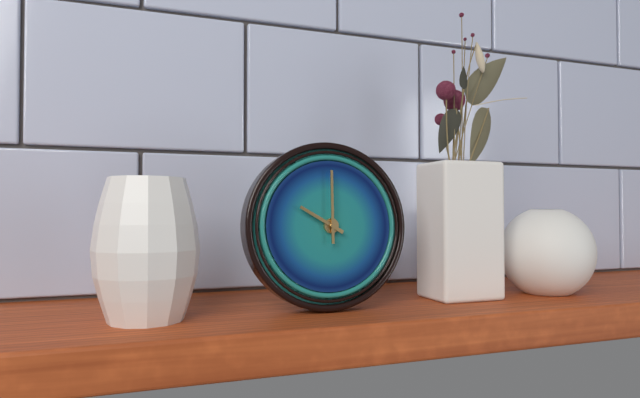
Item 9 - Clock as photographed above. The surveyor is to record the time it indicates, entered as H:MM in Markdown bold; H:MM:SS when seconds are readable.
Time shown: **10:00**
